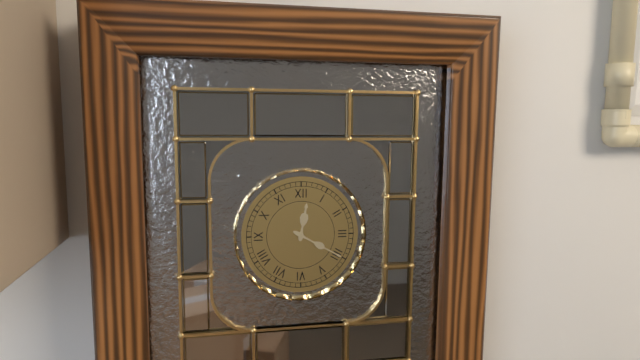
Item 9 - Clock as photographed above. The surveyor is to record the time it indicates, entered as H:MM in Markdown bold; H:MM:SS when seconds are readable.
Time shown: **12:20**
